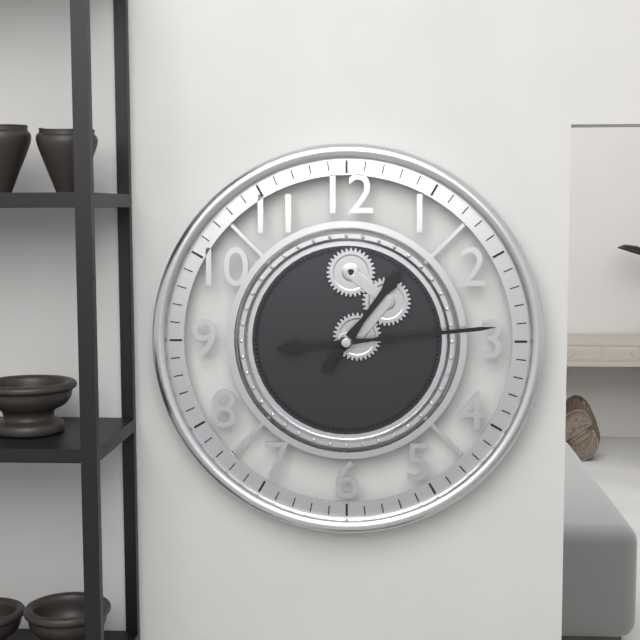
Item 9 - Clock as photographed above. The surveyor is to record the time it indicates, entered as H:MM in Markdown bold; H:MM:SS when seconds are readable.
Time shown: **1:14**
